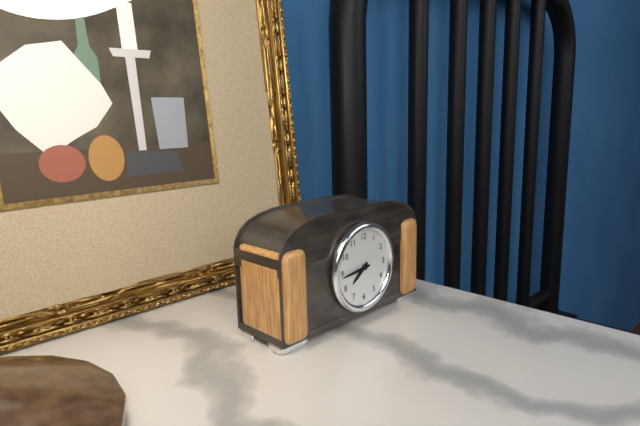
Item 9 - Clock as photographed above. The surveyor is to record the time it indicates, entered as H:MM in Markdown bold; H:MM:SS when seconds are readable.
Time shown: **7:44**
